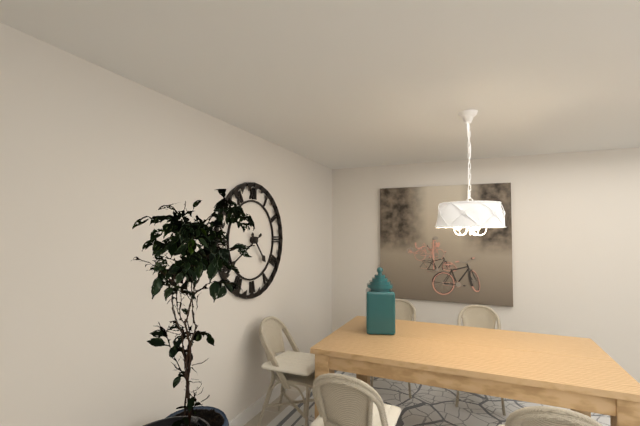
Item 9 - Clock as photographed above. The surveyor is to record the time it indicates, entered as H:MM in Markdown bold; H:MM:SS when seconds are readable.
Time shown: **4:40**
